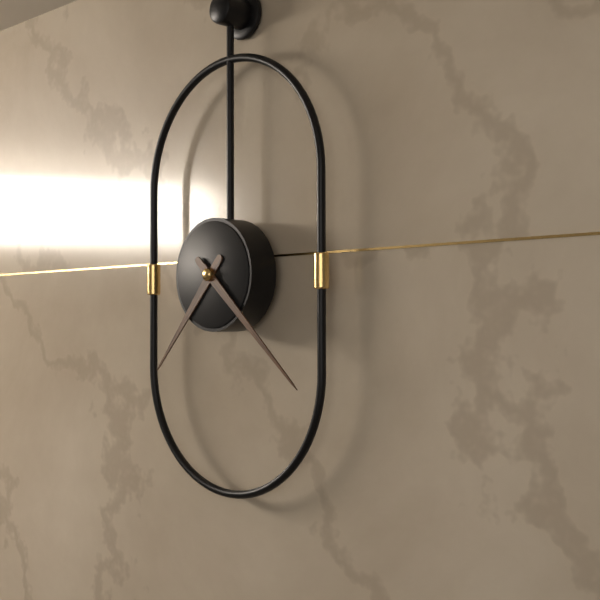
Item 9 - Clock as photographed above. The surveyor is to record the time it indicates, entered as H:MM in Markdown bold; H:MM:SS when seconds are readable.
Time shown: **7:22**
